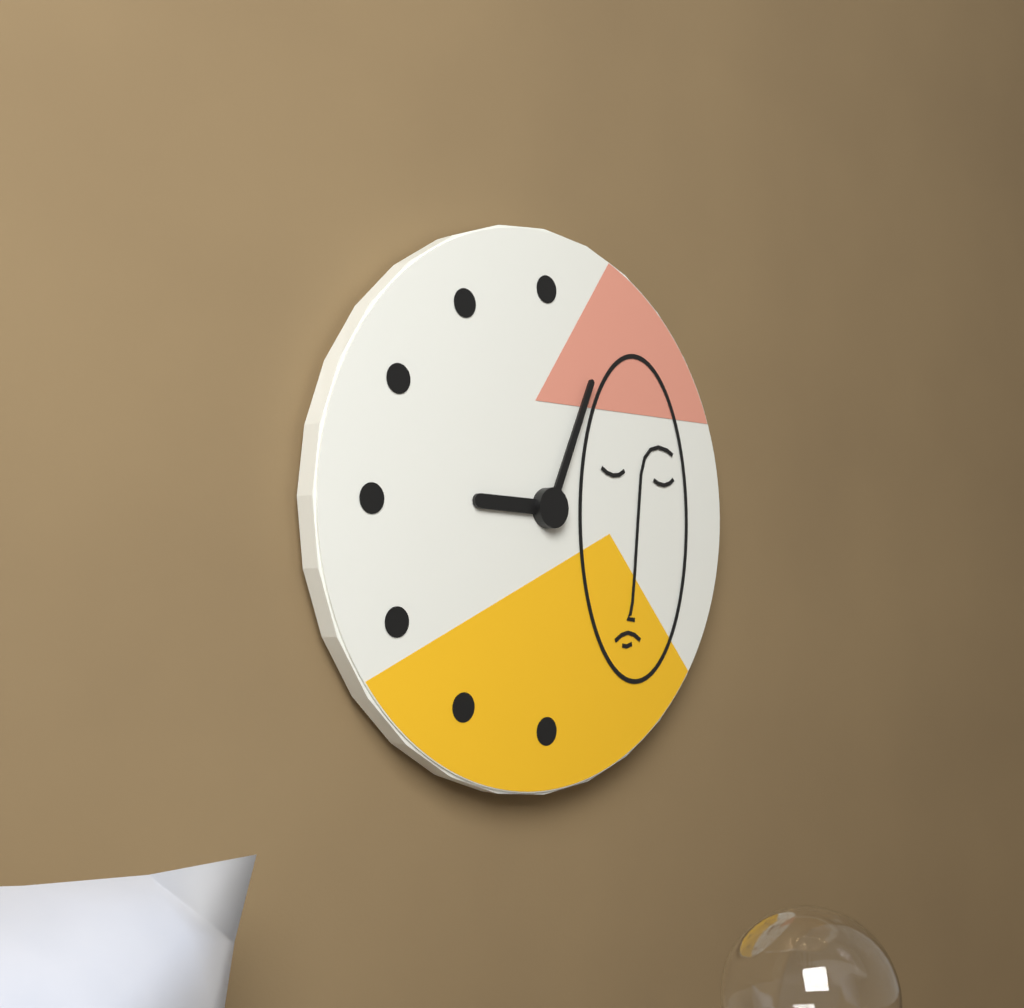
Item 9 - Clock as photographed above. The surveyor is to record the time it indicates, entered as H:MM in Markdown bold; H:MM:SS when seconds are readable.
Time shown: **9:04**
